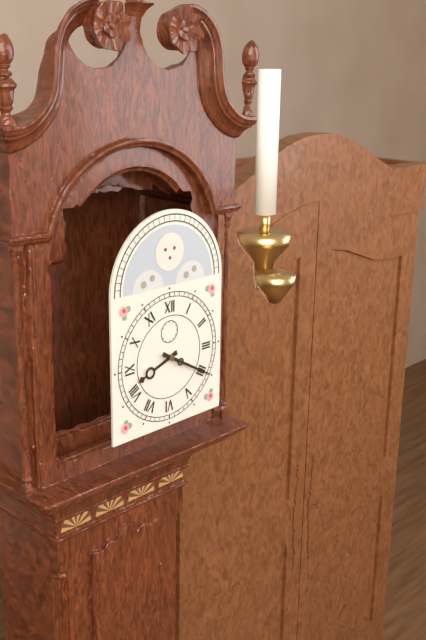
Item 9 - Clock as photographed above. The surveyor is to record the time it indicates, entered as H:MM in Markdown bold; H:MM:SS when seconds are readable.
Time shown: **8:20**
